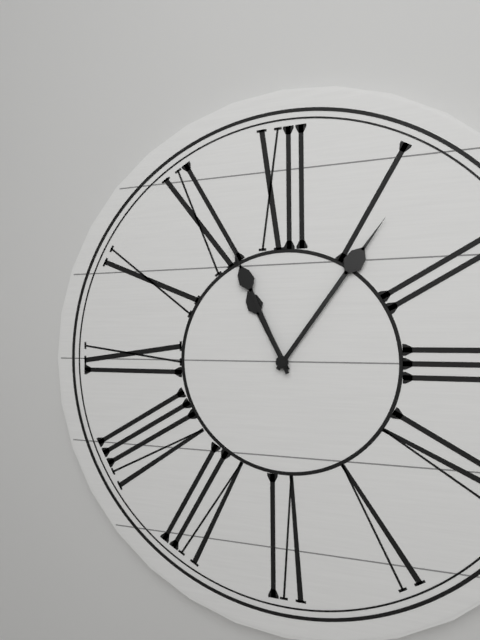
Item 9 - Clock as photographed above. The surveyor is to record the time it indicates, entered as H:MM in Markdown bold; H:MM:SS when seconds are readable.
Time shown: **11:06:56**
